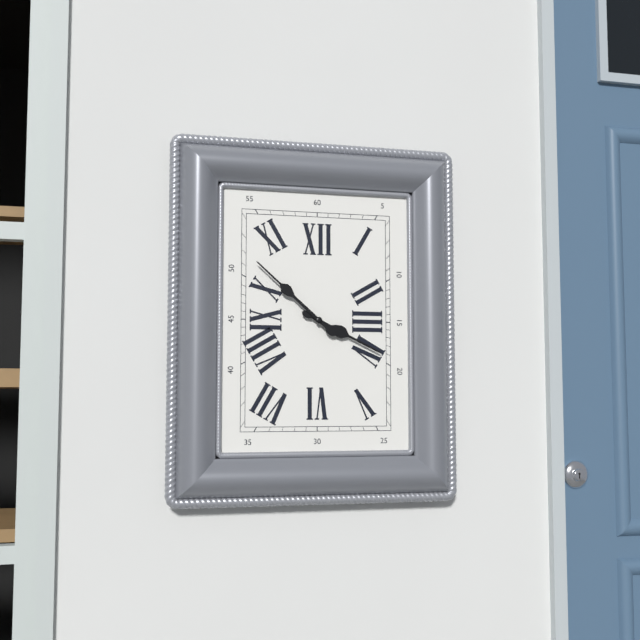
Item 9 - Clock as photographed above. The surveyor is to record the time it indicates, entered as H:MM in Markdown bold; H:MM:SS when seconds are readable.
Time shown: **3:52**
